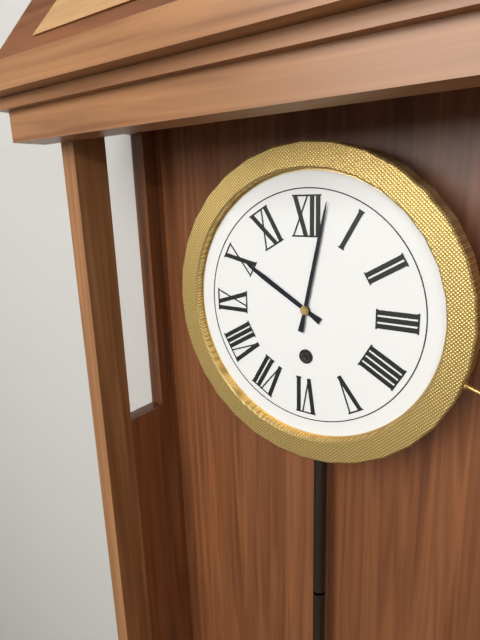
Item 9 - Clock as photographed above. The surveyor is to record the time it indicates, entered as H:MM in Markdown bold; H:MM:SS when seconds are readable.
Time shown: **10:02**
